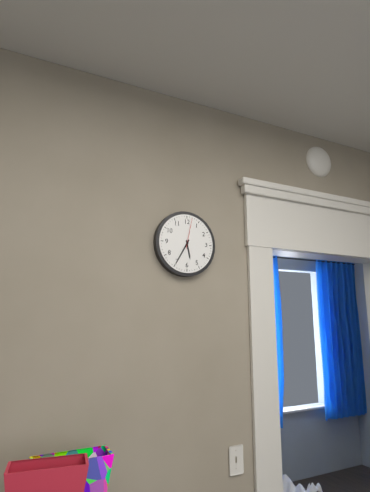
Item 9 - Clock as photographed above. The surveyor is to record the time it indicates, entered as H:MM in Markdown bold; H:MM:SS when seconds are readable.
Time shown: **5:35**
